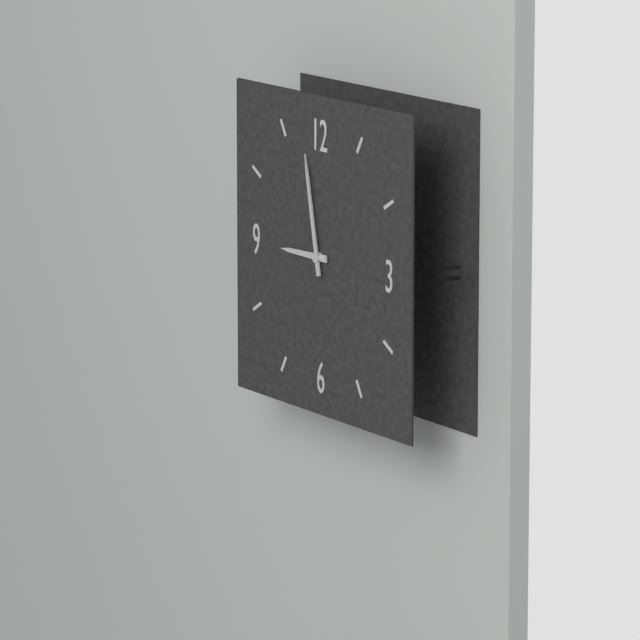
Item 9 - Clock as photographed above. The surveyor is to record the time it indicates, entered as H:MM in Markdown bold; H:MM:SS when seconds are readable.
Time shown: **8:58**
